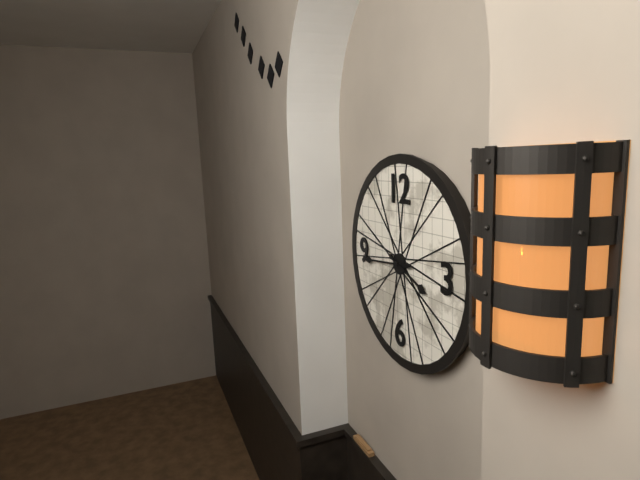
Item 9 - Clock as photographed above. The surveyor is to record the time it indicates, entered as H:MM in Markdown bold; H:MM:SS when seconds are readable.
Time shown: **3:44**
